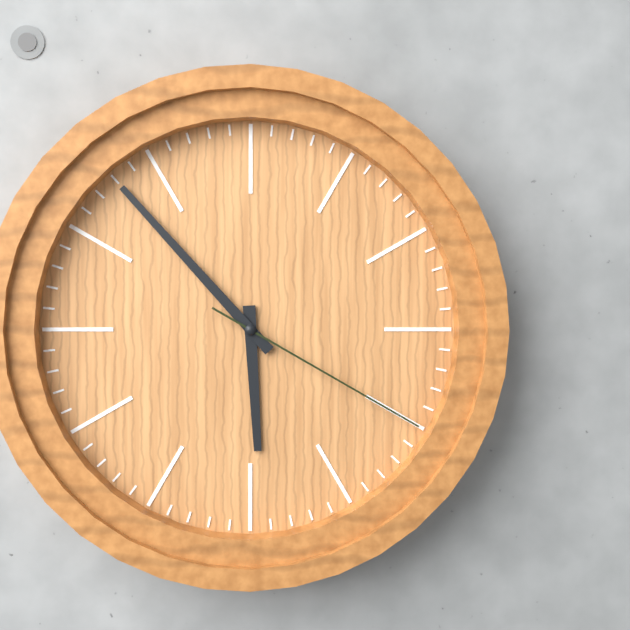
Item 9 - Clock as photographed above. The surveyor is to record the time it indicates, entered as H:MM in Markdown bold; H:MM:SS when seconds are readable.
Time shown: **5:53:20**
